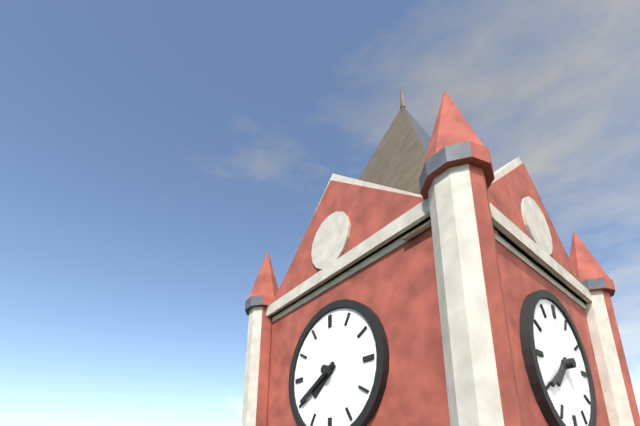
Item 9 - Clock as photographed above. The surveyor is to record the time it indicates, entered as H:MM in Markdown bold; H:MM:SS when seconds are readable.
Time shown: **7:40**
